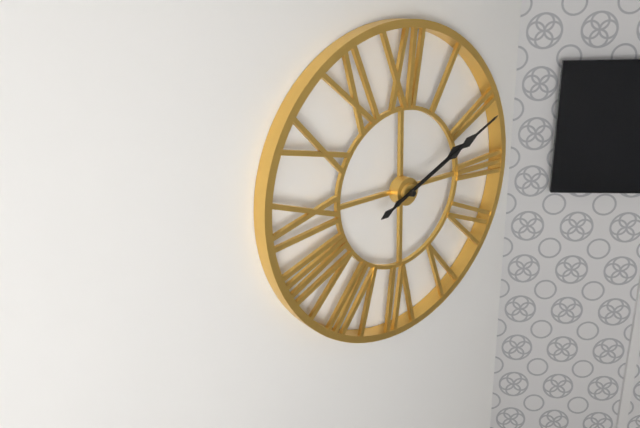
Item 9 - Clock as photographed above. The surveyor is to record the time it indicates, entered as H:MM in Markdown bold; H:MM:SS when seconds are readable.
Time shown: **2:11**
